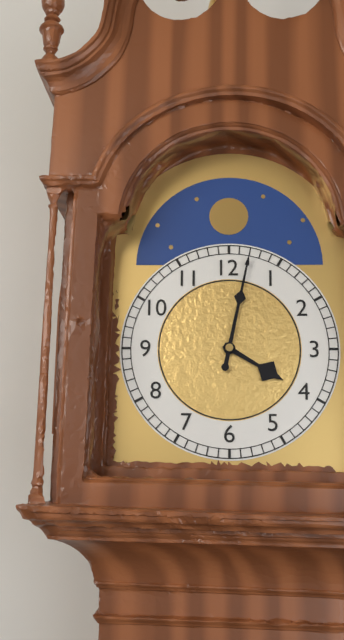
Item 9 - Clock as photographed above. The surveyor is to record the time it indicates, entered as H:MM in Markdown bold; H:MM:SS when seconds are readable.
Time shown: **4:02**
